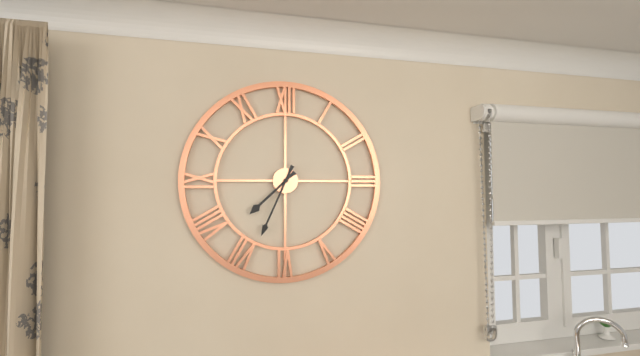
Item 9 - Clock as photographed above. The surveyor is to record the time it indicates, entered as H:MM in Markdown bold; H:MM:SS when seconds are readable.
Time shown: **7:34**
